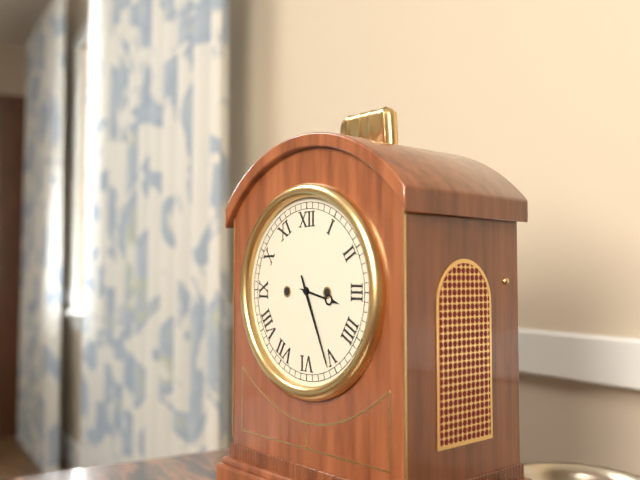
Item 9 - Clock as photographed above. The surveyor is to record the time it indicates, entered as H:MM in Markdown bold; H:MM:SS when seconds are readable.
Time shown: **3:26**
